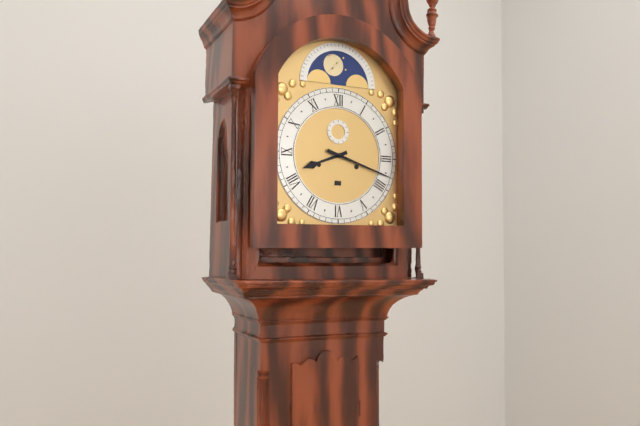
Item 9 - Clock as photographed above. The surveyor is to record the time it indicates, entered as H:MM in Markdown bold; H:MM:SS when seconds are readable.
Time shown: **8:18**
